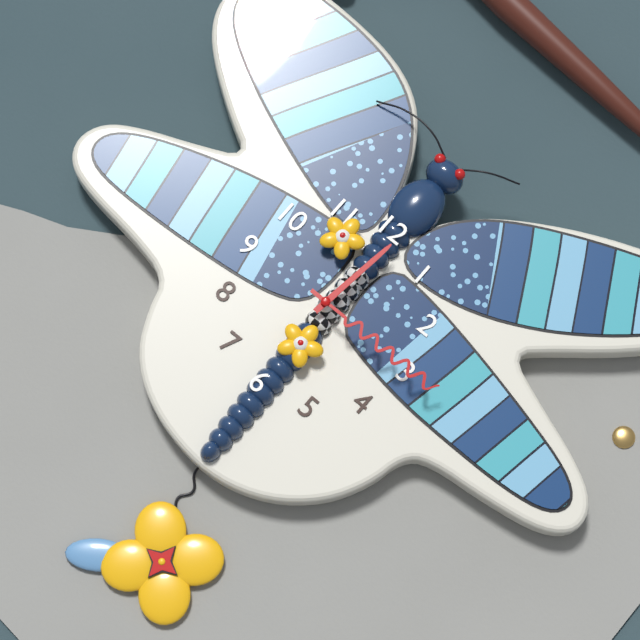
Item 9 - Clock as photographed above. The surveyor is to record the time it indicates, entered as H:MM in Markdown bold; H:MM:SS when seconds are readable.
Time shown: **12:15**
